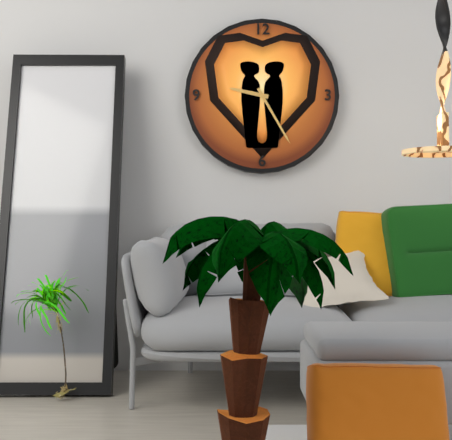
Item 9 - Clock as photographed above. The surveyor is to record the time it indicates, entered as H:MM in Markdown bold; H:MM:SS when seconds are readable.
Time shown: **9:25**
